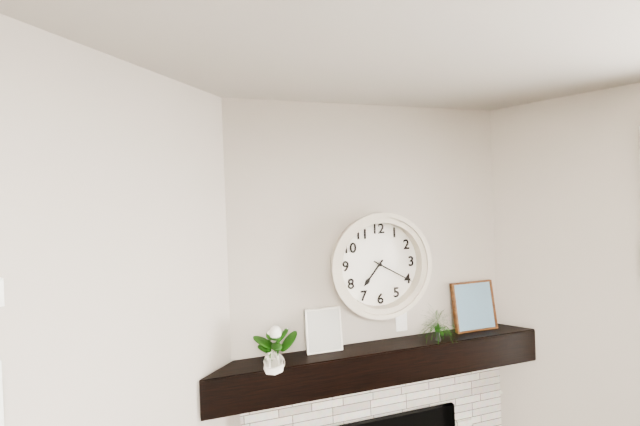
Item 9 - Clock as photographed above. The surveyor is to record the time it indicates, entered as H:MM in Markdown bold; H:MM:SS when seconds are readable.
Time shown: **7:20**
